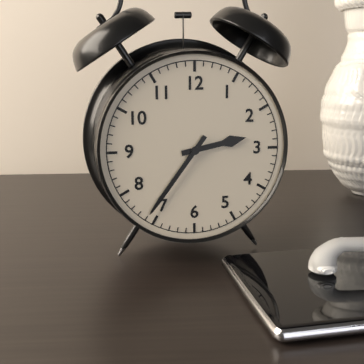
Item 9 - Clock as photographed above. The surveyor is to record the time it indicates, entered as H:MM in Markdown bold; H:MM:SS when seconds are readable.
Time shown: **2:36**
